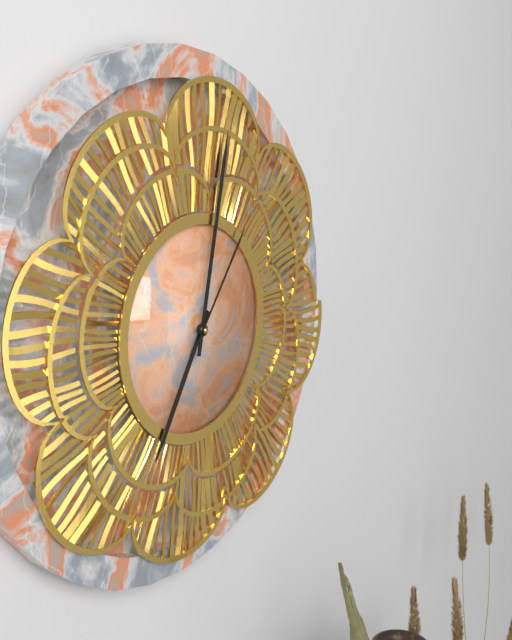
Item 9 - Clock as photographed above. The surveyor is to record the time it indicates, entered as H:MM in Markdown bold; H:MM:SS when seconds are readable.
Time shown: **7:02:06**
